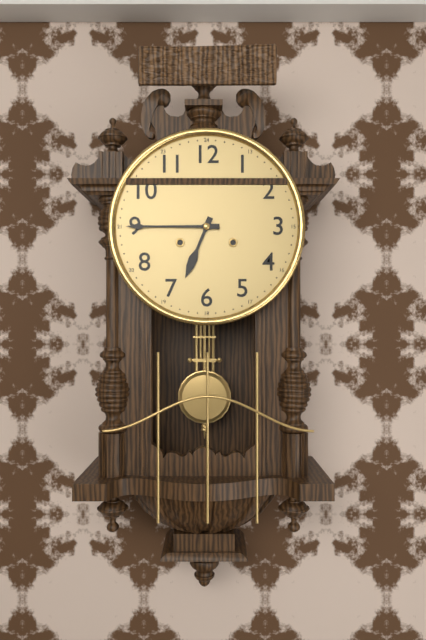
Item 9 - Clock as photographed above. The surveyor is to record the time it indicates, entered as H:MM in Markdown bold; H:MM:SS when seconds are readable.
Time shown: **6:45**
